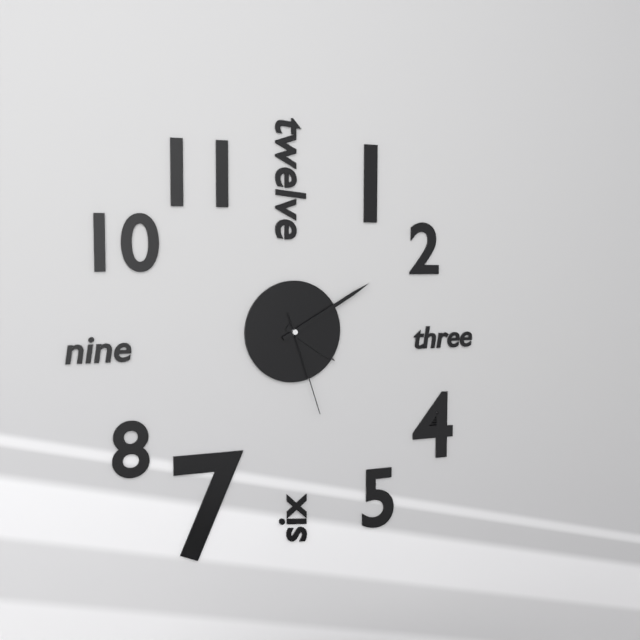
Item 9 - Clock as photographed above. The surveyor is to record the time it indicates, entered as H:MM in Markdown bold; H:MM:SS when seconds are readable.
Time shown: **4:10:27**
